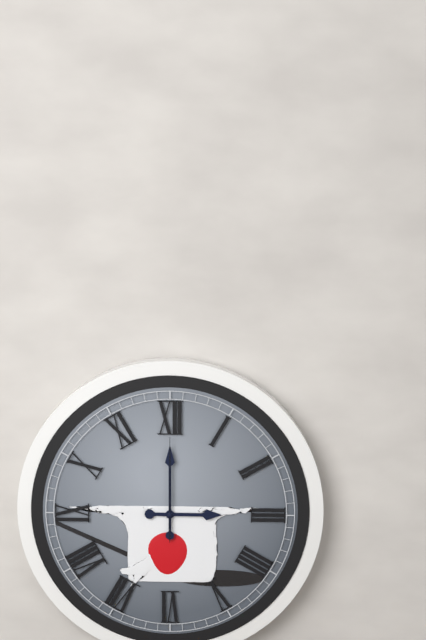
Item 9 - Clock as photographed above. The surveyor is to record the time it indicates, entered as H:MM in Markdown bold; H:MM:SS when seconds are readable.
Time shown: **3:00:00**
